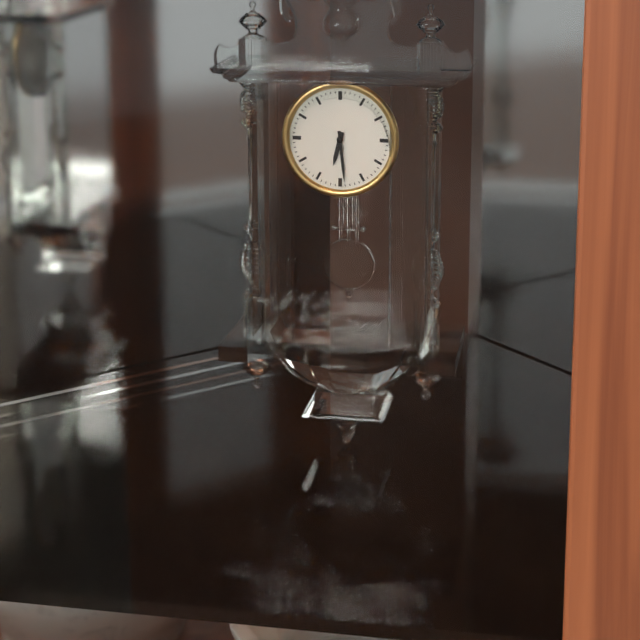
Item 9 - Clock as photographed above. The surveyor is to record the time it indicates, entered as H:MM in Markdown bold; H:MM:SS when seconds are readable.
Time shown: **6:29**
